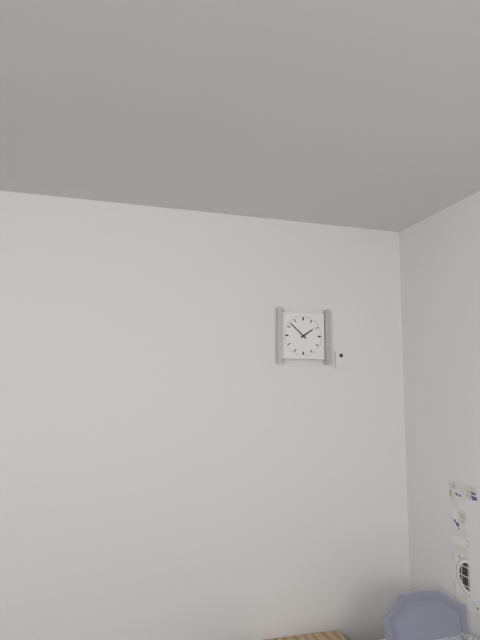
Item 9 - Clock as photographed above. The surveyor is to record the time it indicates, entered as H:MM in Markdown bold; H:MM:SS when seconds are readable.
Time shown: **1:52**
